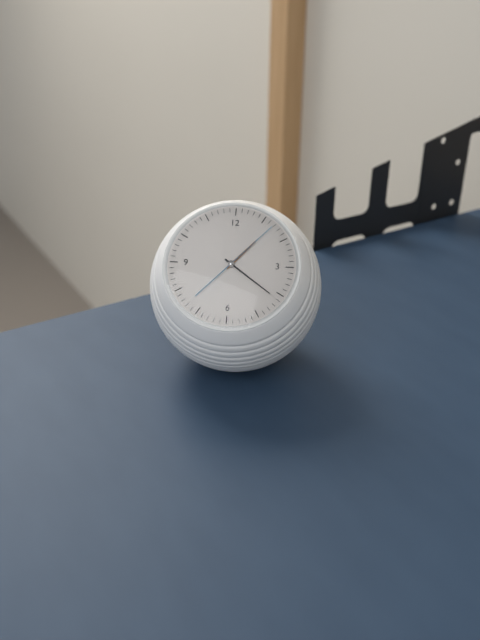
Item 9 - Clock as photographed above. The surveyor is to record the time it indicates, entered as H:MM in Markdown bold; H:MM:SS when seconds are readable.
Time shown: **1:21:07**
